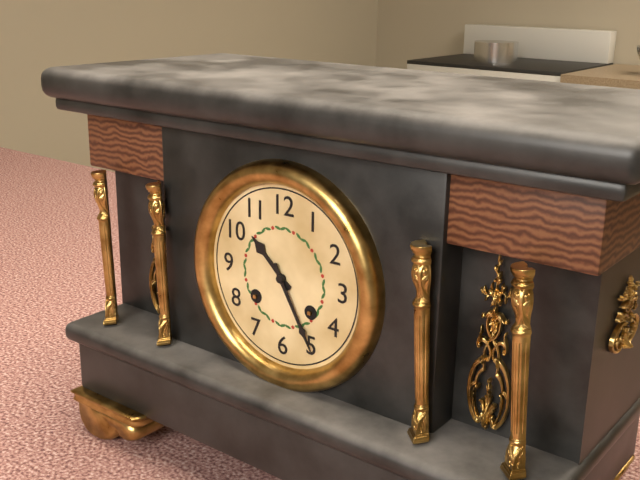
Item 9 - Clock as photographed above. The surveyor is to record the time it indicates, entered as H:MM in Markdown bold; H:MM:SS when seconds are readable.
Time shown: **10:25**
